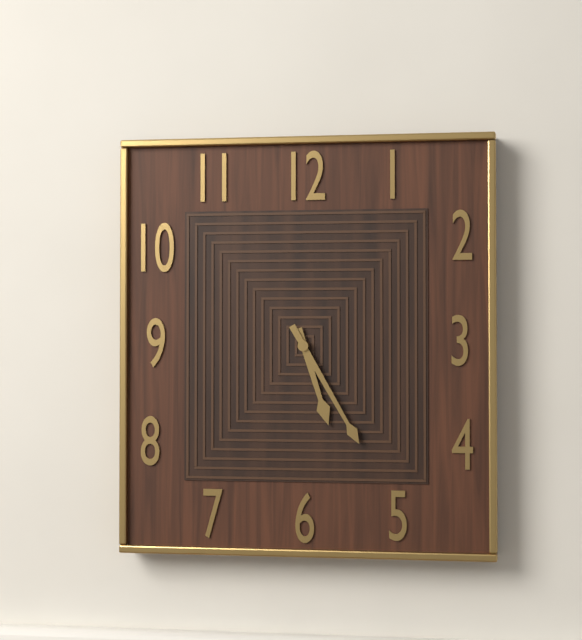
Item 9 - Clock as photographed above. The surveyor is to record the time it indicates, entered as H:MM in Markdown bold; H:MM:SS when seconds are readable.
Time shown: **5:25**
